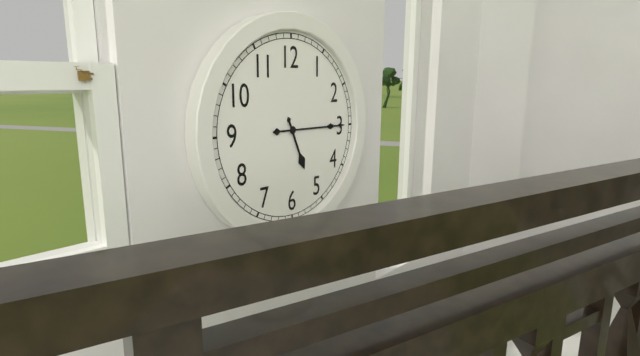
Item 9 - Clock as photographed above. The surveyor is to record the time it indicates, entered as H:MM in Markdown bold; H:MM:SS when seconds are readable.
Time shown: **5:15**
